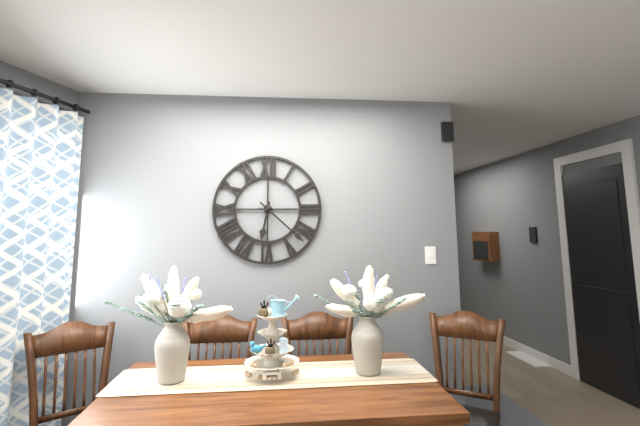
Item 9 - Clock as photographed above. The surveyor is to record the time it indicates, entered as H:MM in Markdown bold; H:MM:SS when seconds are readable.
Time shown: **6:22**
